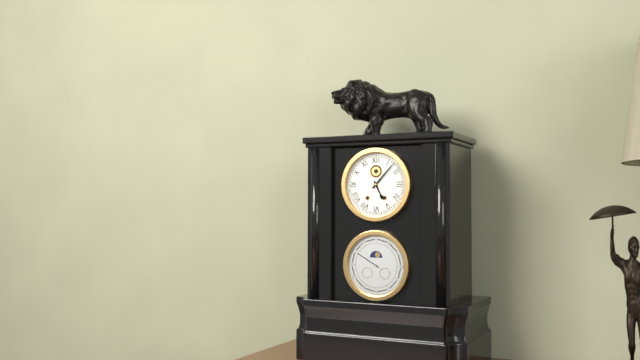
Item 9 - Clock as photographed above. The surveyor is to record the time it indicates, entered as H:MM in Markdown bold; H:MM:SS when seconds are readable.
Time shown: **5:07**
